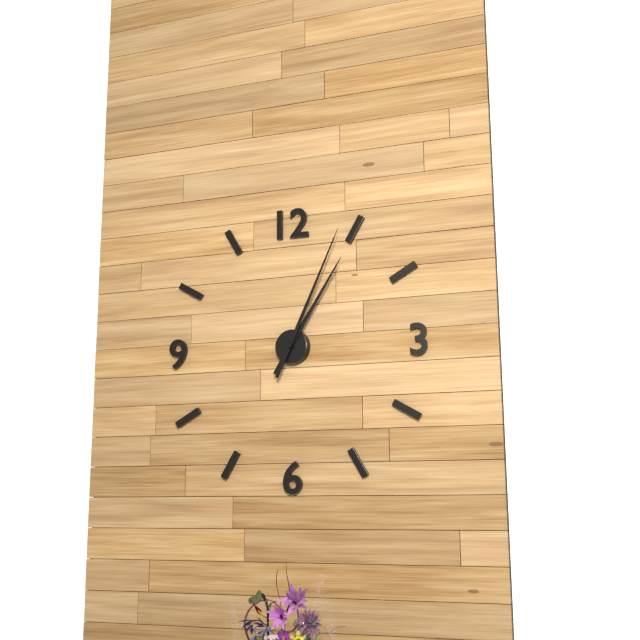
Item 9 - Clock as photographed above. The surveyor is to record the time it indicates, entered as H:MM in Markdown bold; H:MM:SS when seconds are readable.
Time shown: **1:04**
